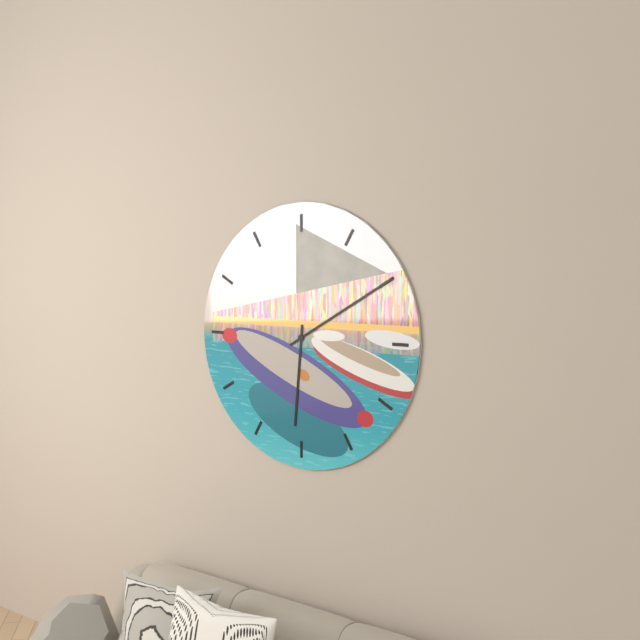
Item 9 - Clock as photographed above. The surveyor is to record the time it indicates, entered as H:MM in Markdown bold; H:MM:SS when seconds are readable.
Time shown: **6:10**
